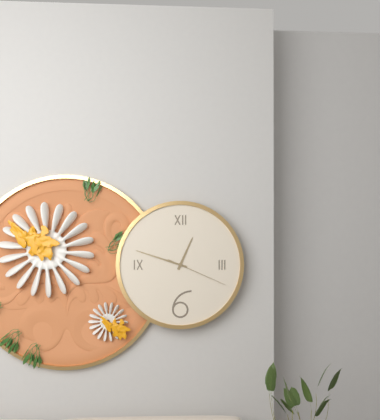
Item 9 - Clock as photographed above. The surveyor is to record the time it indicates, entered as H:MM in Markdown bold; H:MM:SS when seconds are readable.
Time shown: **12:48:19**
